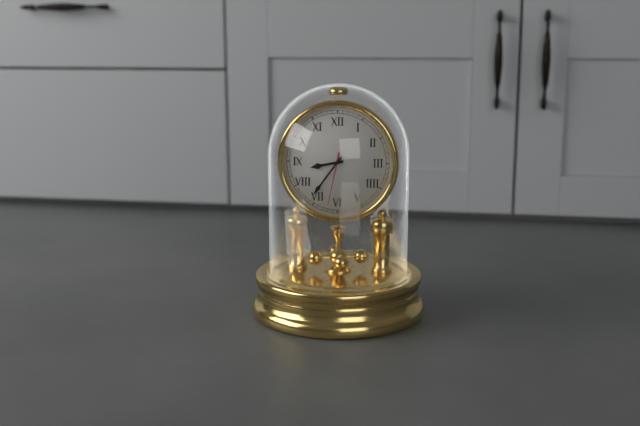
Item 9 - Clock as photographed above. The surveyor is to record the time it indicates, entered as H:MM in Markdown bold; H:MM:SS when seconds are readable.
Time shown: **8:36:32**
